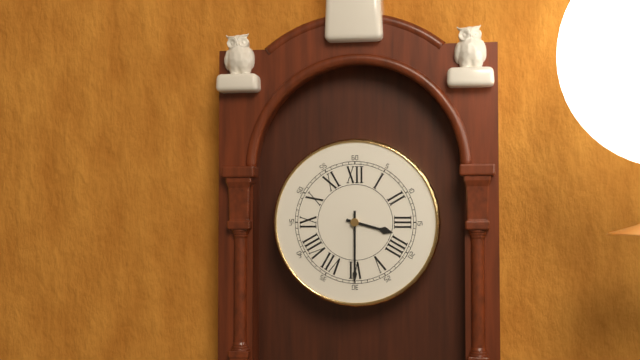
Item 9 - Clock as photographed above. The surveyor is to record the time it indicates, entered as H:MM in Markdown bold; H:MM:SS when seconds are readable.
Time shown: **3:30**
